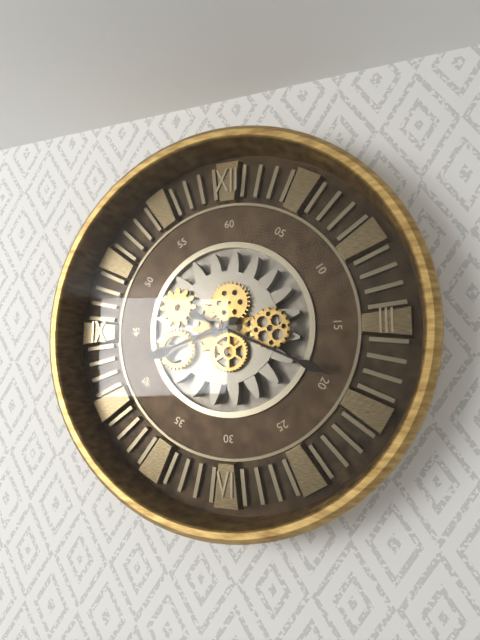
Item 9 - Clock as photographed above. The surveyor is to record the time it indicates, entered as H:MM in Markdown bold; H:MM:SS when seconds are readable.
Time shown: **8:19**
